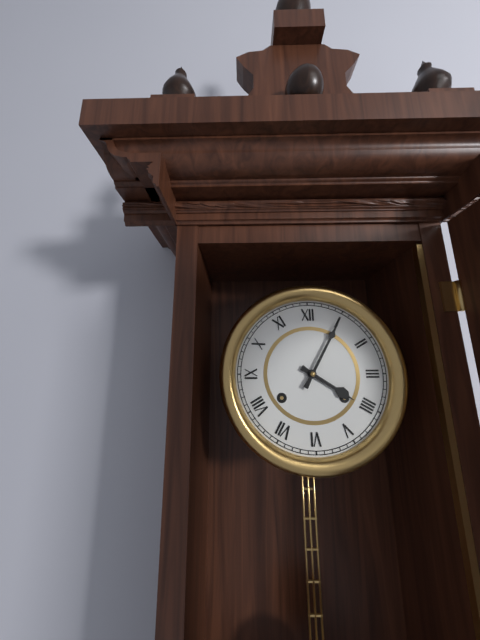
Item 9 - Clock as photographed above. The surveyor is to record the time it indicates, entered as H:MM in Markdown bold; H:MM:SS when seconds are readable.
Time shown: **4:05**
